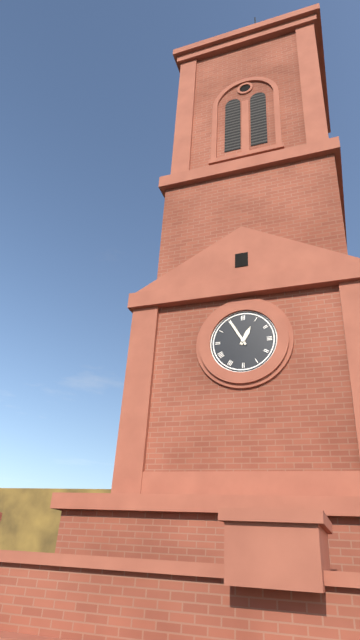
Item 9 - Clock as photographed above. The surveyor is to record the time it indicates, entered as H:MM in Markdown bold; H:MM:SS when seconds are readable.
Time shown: **12:55**
